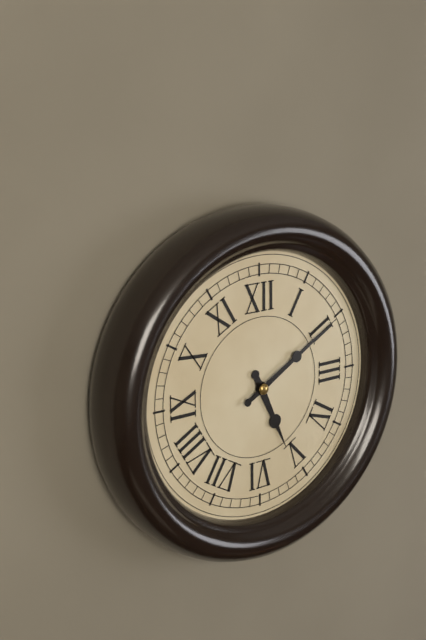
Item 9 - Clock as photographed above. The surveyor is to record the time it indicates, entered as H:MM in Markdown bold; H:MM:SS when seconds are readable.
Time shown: **5:10**
